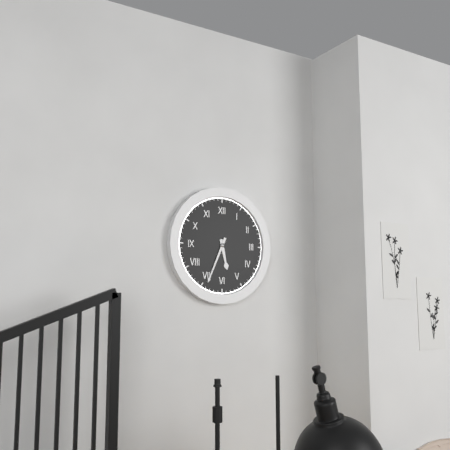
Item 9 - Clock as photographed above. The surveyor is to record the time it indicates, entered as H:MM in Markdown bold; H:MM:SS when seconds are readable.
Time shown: **5:34**
